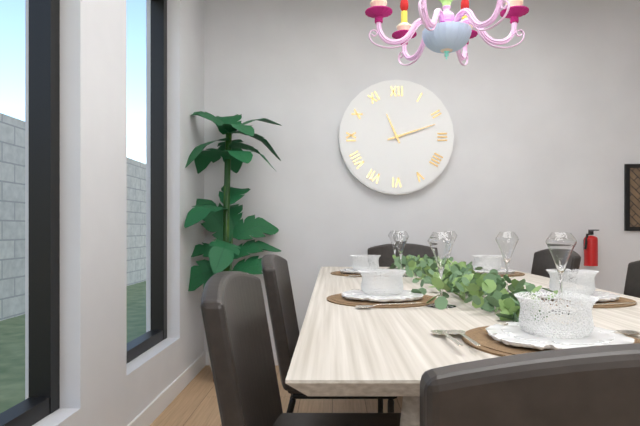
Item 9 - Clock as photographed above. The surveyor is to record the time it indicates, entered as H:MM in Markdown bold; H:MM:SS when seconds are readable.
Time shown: **11:12**
